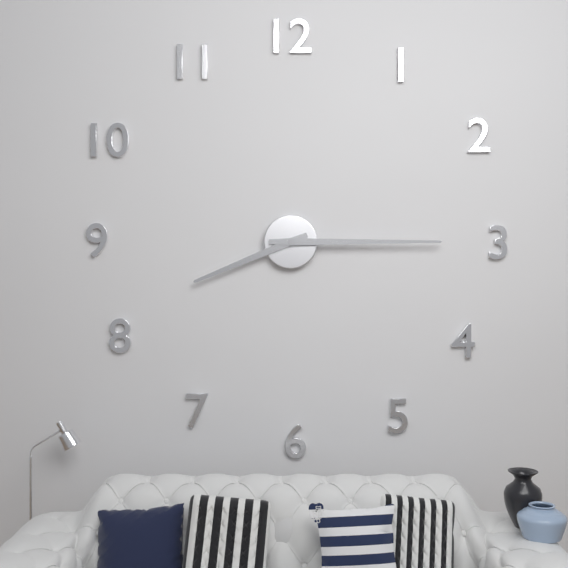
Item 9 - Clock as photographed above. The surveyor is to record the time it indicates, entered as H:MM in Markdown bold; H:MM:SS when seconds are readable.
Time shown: **8:15**
